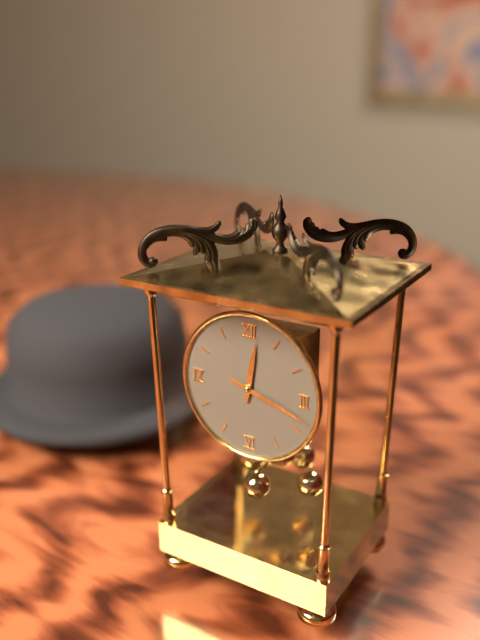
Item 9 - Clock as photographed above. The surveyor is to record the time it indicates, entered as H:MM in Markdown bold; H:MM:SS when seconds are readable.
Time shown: **12:18**
